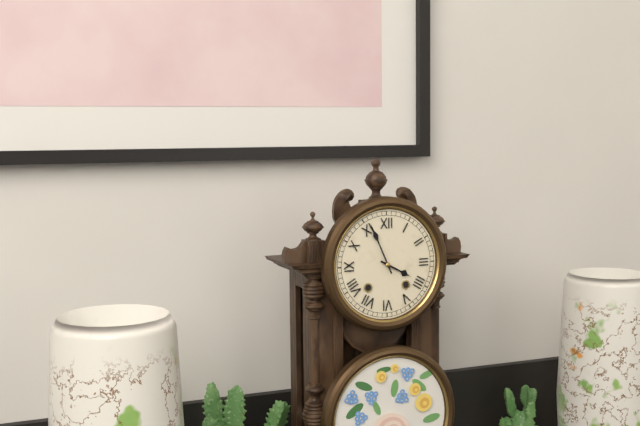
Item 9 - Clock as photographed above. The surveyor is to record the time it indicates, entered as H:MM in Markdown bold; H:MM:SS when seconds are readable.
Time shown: **3:56**
